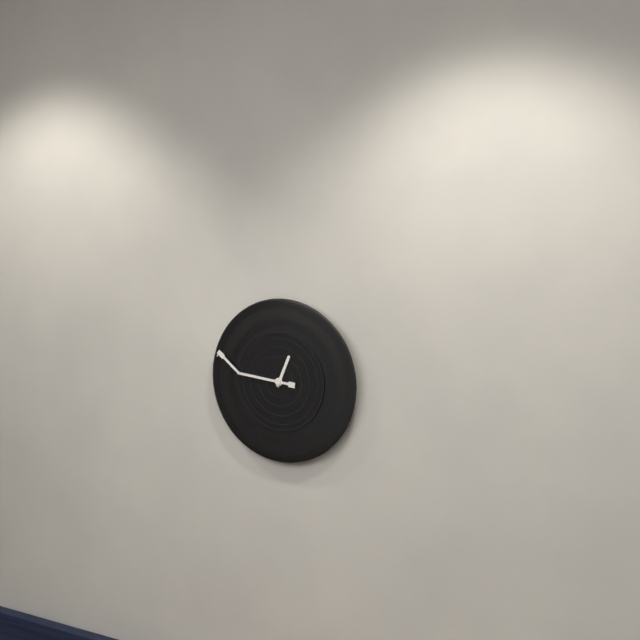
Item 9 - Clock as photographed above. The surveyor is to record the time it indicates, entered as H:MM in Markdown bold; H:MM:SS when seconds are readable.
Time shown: **12:46**
